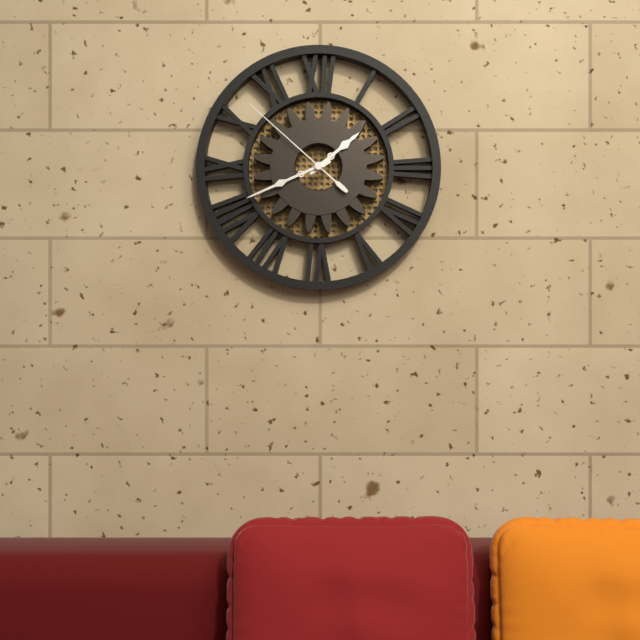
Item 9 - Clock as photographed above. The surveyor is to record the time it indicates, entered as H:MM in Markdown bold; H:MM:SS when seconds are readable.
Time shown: **1:41:52**
